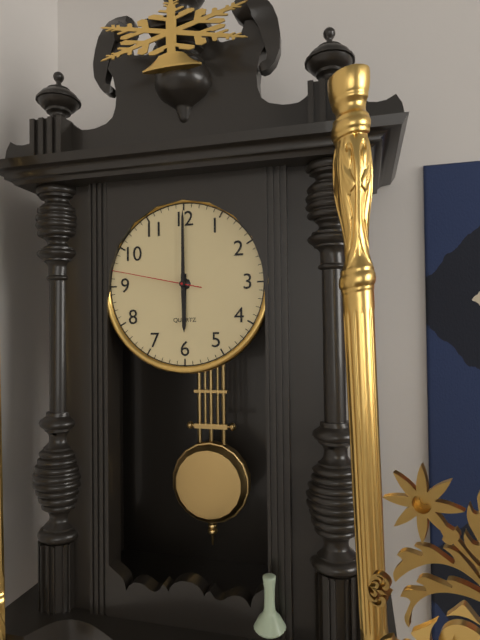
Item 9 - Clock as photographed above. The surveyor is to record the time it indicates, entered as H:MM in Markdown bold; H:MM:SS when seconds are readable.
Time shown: **6:00:47**
